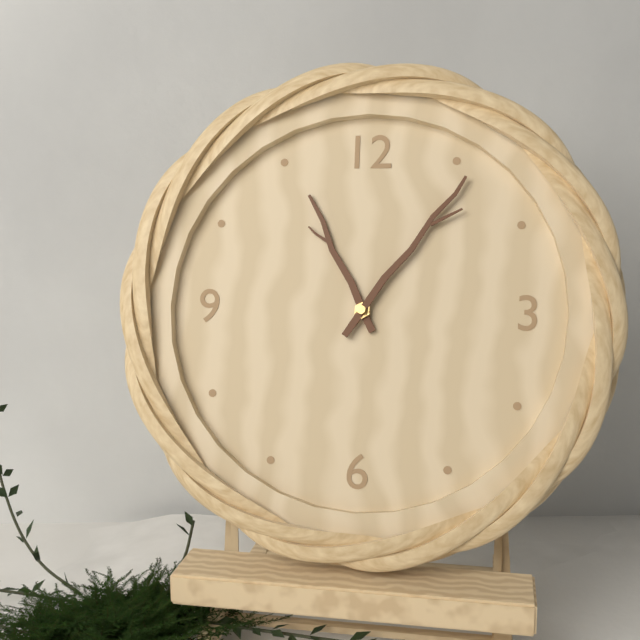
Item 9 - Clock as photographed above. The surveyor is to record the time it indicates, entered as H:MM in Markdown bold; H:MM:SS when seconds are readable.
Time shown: **11:06**
